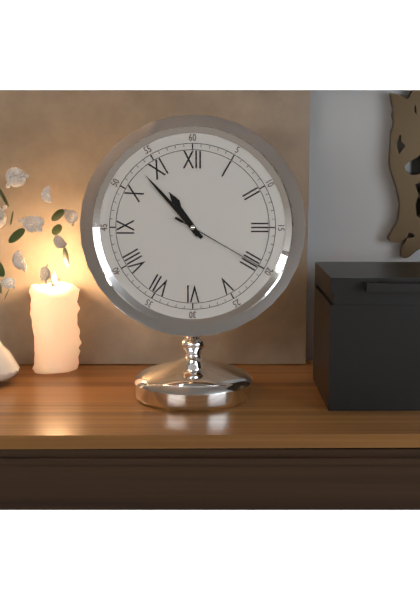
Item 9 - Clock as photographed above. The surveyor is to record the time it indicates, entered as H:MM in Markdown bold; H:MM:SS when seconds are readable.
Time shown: **10:53:20**
